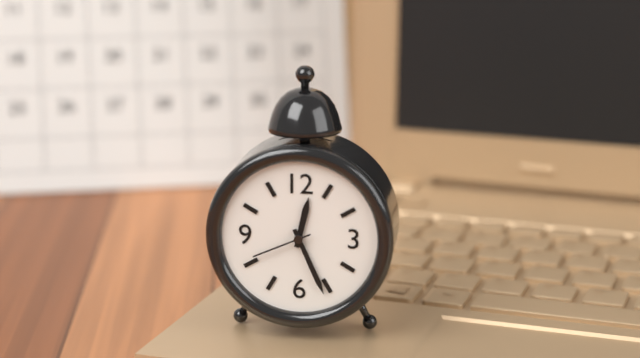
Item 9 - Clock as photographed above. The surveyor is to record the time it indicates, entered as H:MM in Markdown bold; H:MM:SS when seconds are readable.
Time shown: **12:26:41**
